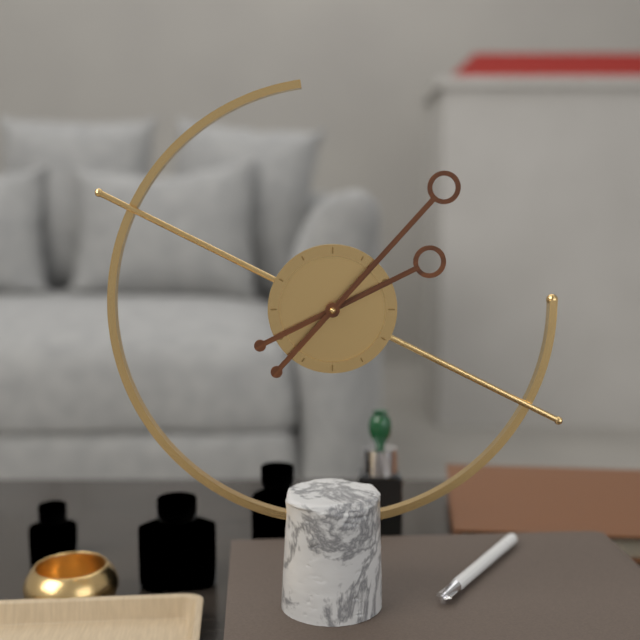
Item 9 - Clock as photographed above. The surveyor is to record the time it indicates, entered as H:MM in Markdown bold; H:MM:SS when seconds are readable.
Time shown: **2:07**
